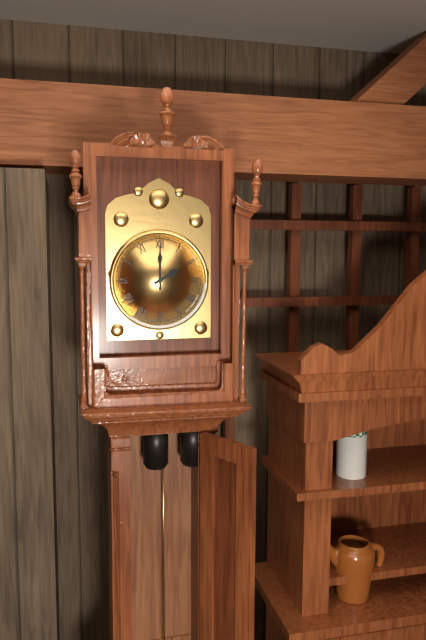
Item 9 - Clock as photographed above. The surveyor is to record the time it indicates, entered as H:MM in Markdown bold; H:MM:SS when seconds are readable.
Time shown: **2:00**
